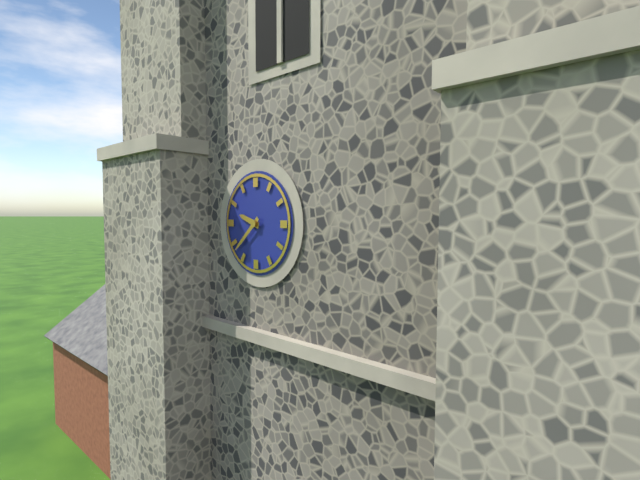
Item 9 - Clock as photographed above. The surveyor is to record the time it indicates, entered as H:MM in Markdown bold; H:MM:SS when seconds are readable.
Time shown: **9:38**
